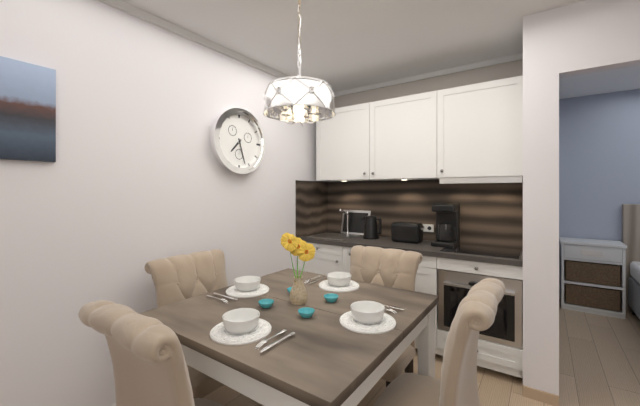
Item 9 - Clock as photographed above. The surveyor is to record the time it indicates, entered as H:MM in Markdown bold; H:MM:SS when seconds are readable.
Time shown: **7:27**
